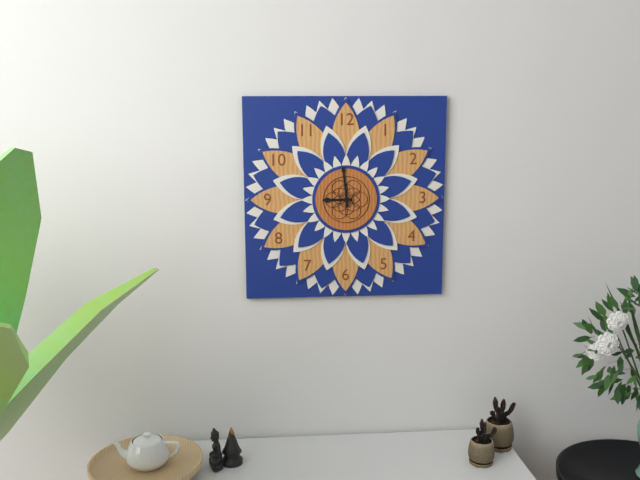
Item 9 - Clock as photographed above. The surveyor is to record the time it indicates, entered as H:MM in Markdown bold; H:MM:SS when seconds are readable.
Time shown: **8:59**
